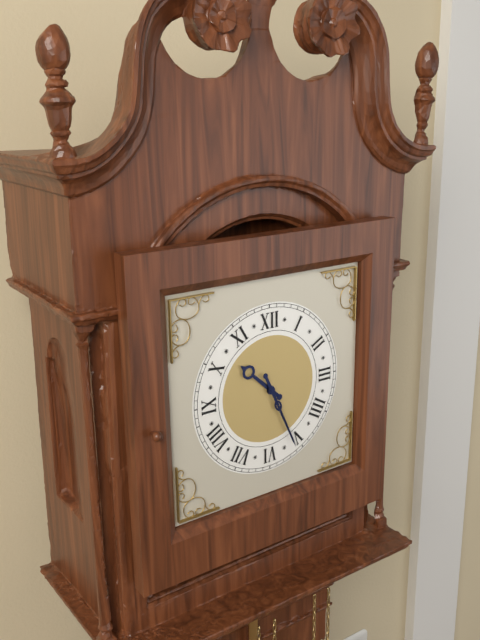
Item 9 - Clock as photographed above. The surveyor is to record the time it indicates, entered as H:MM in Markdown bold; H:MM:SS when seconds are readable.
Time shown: **10:26**
